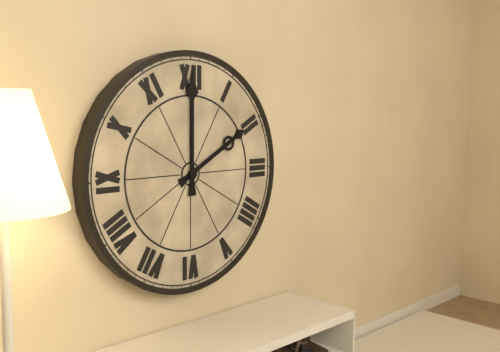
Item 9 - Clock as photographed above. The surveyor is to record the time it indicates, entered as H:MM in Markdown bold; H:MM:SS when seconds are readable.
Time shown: **2:00**
